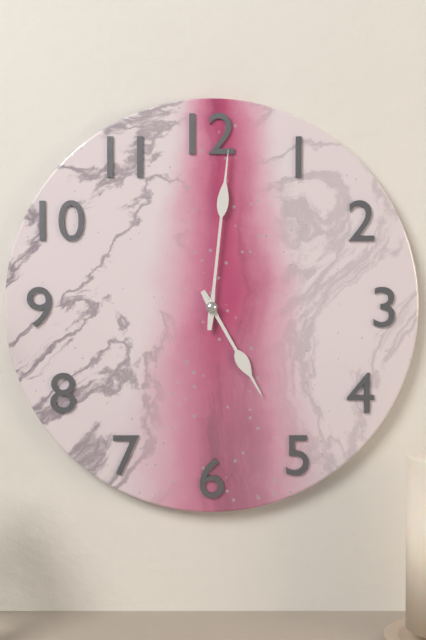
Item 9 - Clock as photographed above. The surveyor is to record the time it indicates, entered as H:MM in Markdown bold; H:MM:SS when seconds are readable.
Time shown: **5:01**
